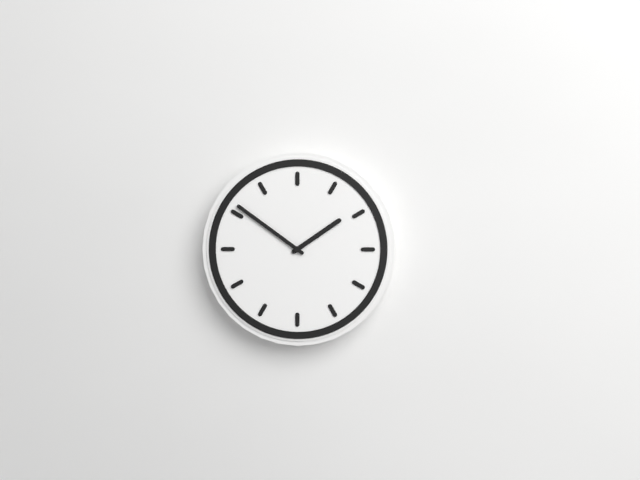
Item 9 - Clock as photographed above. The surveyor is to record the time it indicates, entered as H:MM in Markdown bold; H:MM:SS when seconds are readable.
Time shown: **1:51**
